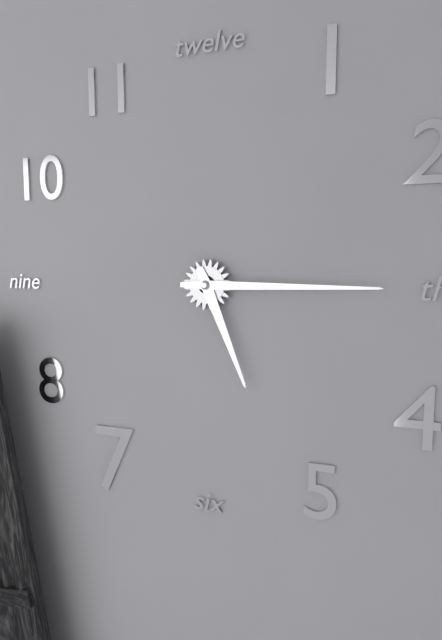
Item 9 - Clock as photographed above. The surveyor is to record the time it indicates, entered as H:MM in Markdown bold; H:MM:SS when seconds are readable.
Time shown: **5:15**
